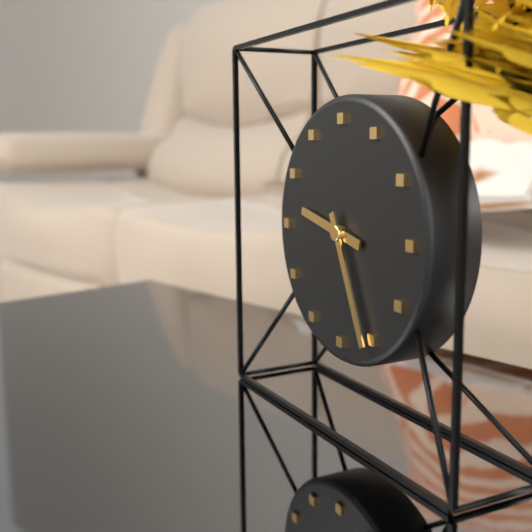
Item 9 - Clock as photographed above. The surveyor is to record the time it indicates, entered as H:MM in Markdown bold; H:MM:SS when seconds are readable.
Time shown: **9:26**
